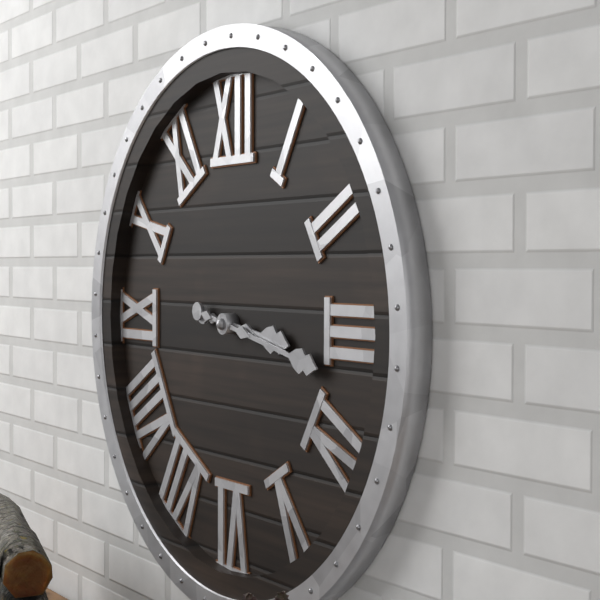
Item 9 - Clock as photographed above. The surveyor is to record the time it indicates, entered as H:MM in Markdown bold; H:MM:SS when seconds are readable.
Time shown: **3:17**
